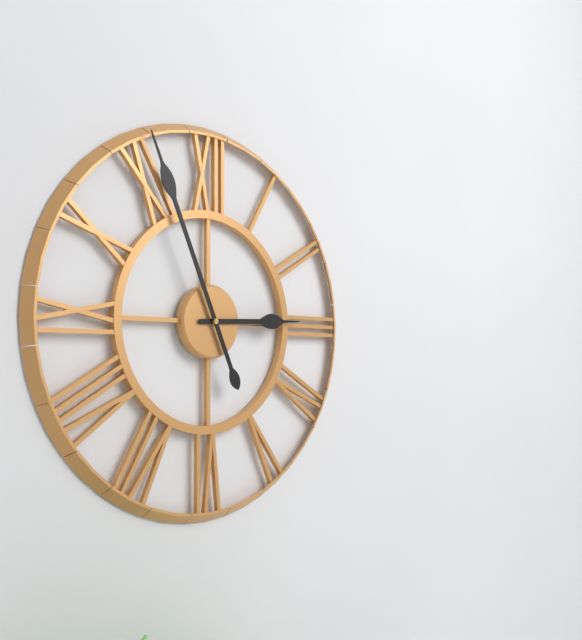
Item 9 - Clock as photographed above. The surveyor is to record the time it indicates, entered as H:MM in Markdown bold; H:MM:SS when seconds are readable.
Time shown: **2:56**
